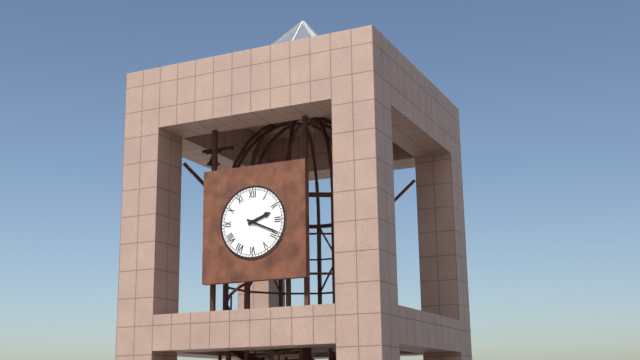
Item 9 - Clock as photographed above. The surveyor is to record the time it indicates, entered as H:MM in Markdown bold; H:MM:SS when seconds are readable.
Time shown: **2:19**
